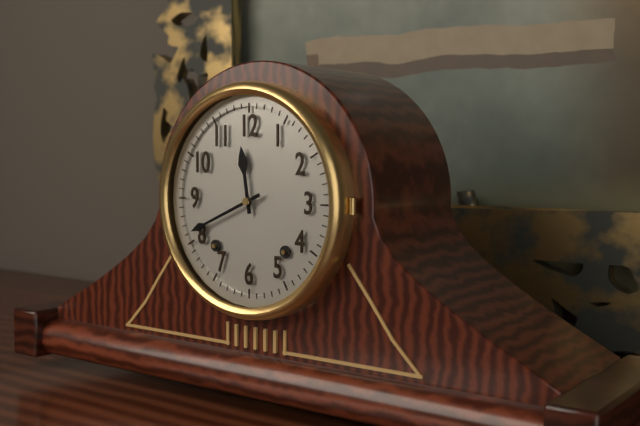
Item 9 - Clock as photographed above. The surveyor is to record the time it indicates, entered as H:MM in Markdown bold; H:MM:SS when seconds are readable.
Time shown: **11:41**
